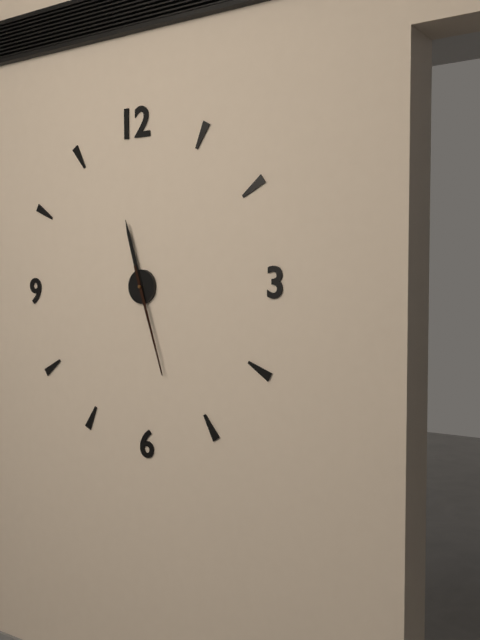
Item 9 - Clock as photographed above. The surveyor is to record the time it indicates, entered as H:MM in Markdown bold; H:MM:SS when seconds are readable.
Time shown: **11:27**
